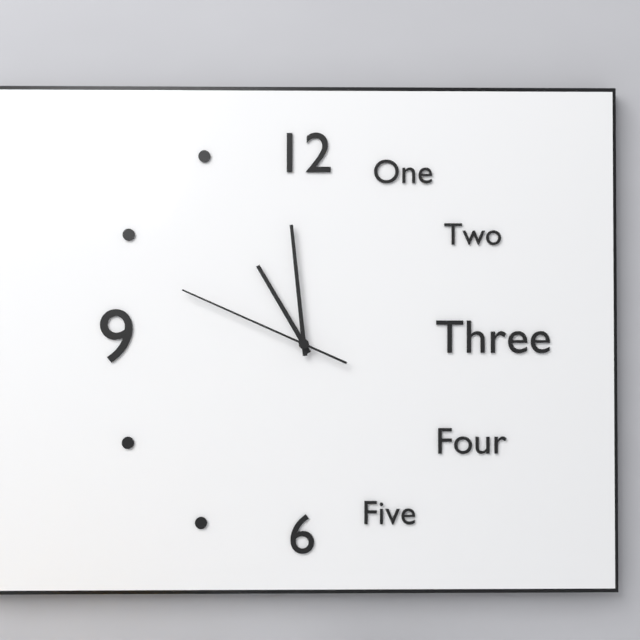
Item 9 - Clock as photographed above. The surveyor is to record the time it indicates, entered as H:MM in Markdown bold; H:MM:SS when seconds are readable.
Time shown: **10:59:49**
